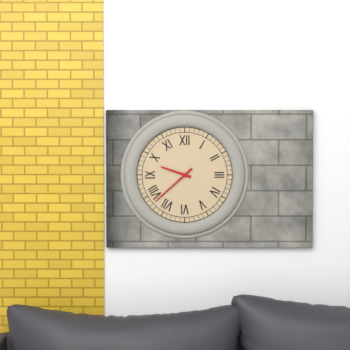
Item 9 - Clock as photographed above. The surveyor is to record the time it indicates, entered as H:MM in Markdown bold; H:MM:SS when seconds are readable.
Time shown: **9:38**
